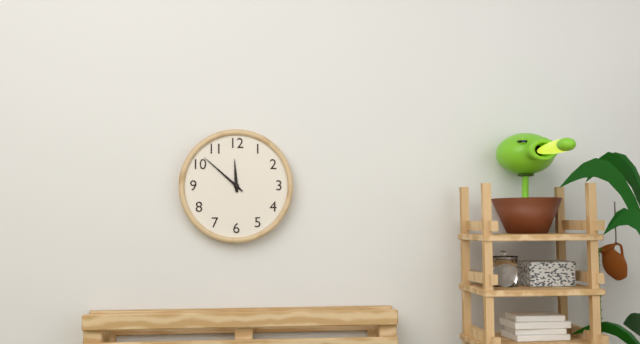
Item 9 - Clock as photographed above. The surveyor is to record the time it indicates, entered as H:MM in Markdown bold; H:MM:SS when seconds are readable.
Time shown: **11:52**
